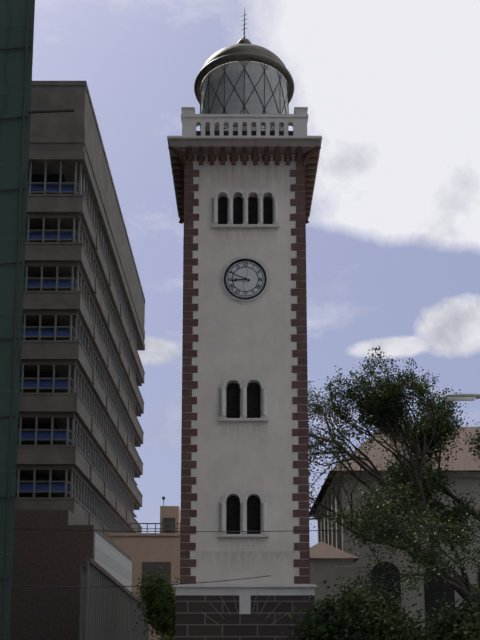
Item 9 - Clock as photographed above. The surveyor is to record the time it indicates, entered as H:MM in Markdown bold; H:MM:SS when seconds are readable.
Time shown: **8:49**
